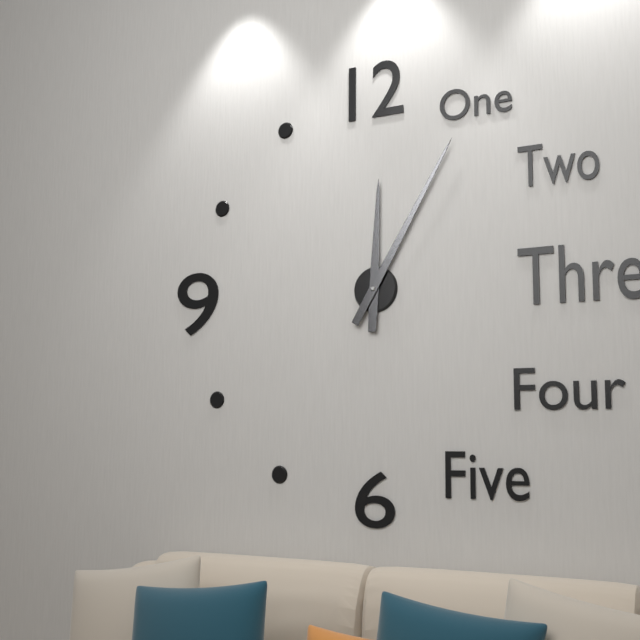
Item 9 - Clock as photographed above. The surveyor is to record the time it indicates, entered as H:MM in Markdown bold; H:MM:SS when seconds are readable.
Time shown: **12:05**
